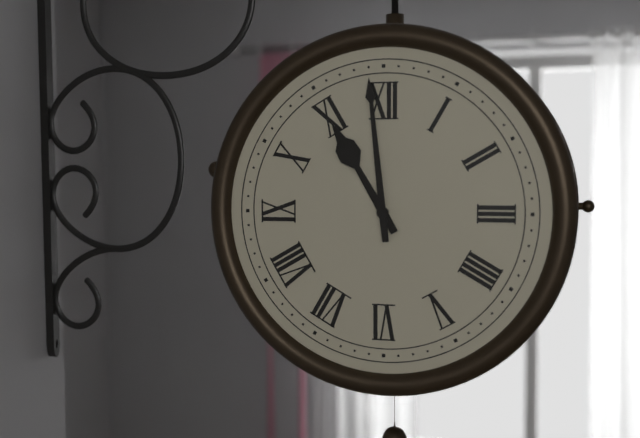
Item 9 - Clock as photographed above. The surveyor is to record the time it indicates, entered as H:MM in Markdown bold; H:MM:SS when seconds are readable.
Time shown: **10:59**
